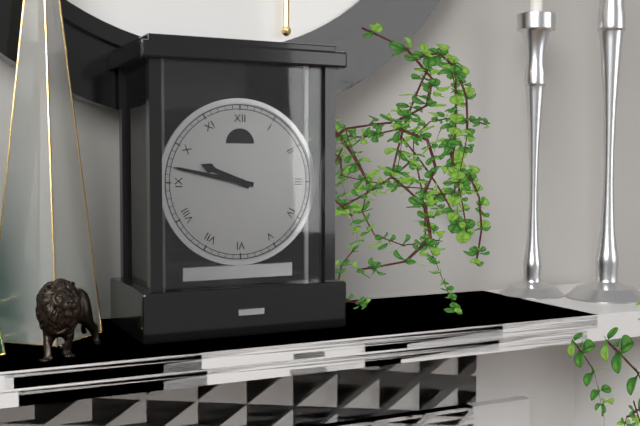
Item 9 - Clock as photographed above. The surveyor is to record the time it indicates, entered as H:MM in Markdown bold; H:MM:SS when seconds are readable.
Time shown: **9:47**
